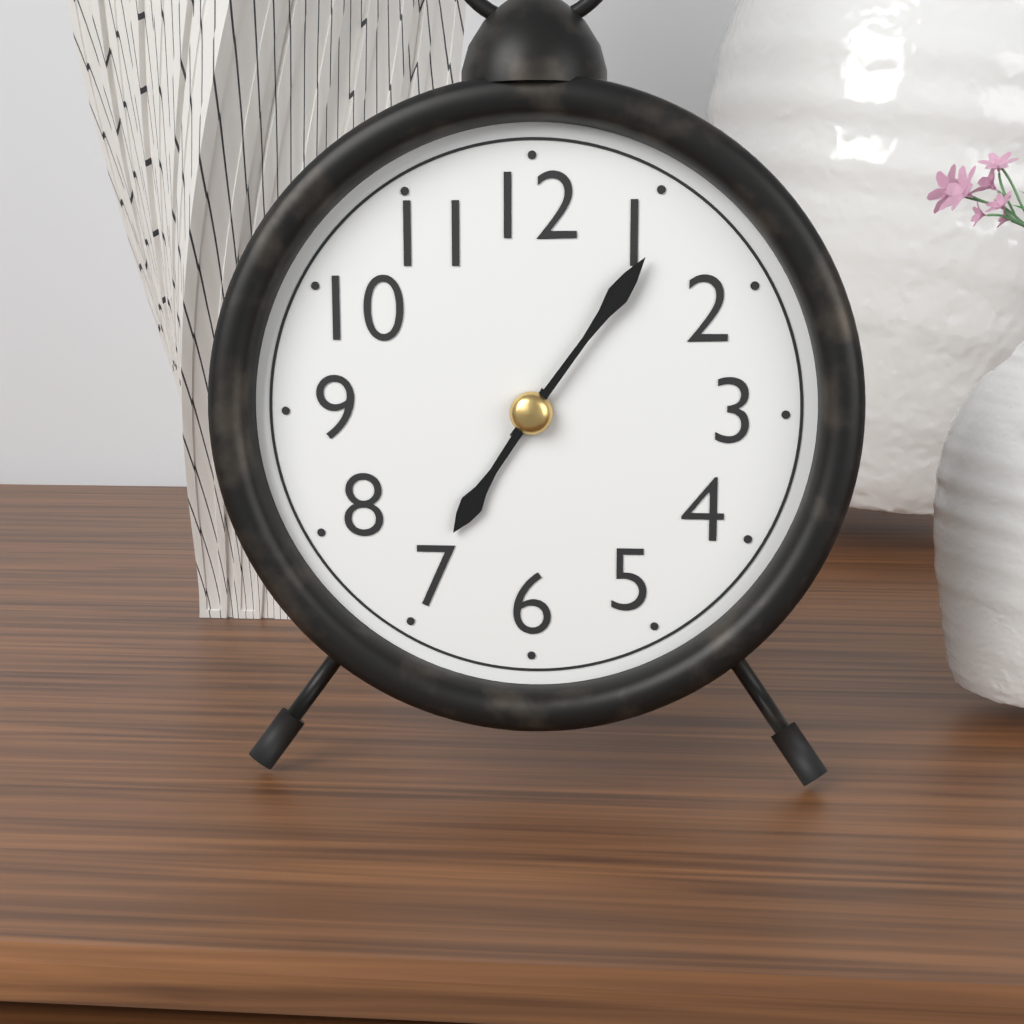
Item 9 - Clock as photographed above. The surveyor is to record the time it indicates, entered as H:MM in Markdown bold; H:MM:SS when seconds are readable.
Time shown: **7:06**
